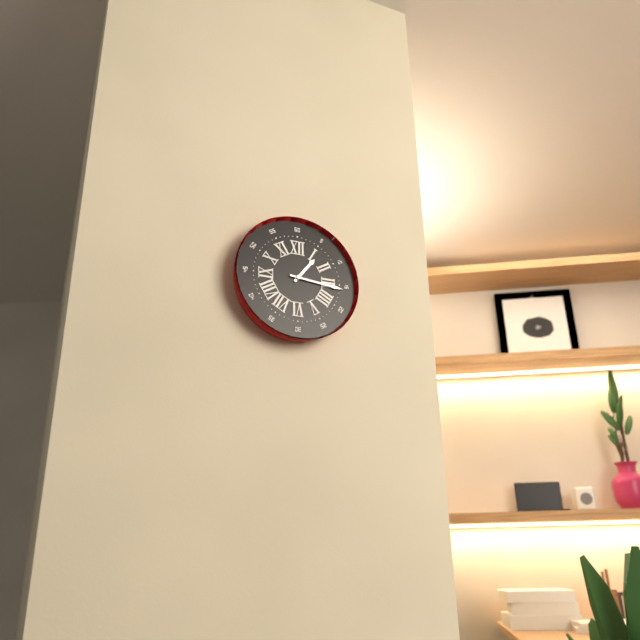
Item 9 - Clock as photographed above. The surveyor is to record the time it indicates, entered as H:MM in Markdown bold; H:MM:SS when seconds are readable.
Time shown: **1:16**
